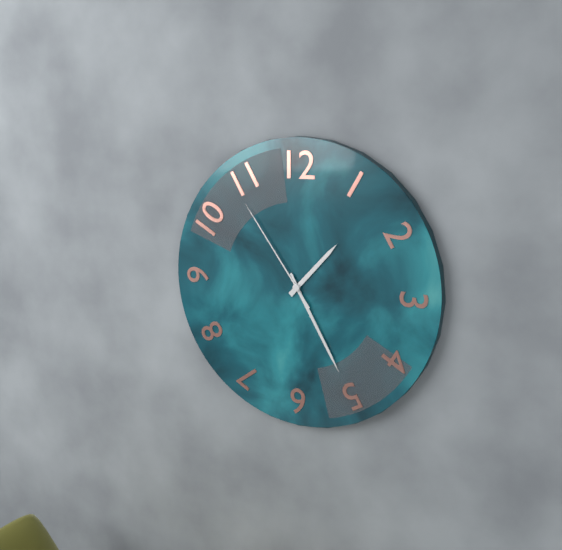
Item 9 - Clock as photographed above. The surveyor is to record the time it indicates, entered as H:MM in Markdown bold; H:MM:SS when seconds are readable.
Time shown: **1:25:54**
